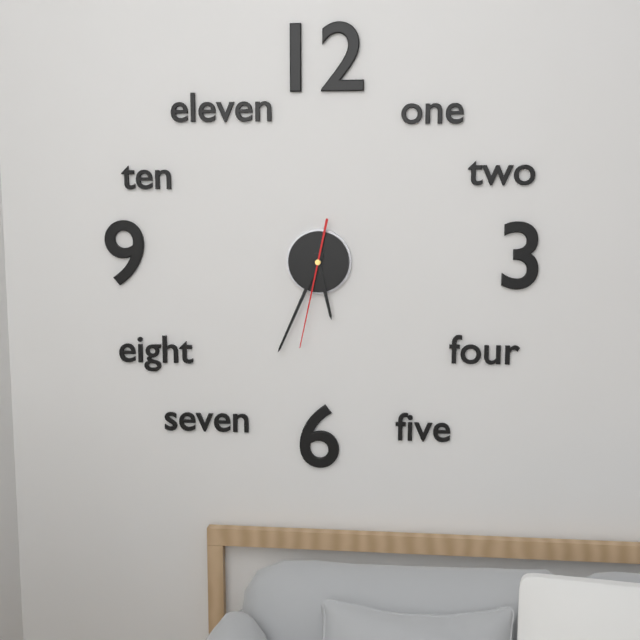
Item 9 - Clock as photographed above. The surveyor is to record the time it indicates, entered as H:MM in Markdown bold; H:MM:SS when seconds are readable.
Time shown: **5:34:32**
